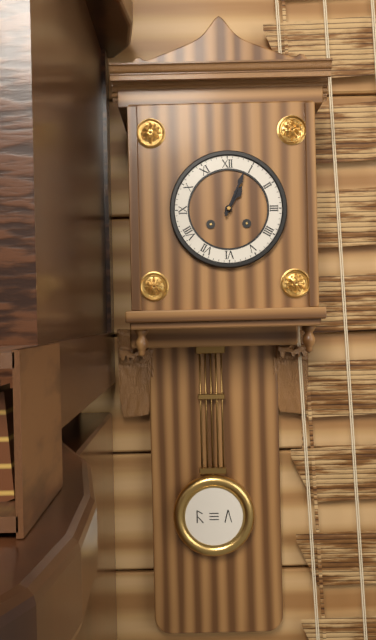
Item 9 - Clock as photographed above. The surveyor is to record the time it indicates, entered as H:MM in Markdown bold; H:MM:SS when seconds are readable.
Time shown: **1:04**
